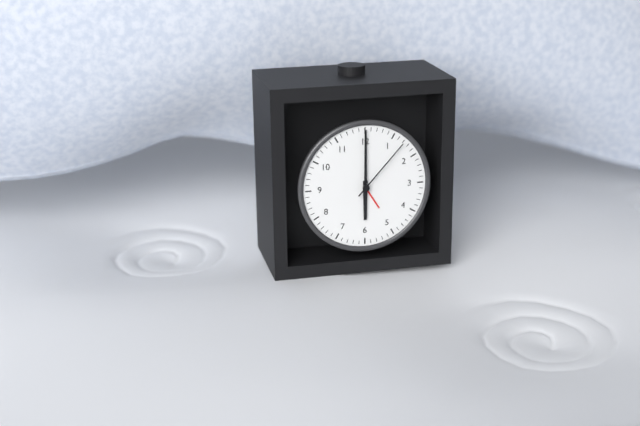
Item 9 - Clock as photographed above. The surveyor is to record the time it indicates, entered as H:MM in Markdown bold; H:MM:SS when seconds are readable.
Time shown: **6:00:07**
